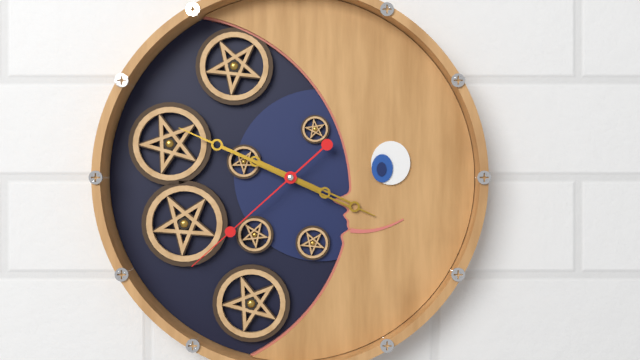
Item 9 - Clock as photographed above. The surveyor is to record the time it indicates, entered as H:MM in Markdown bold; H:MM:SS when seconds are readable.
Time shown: **3:49:38**
